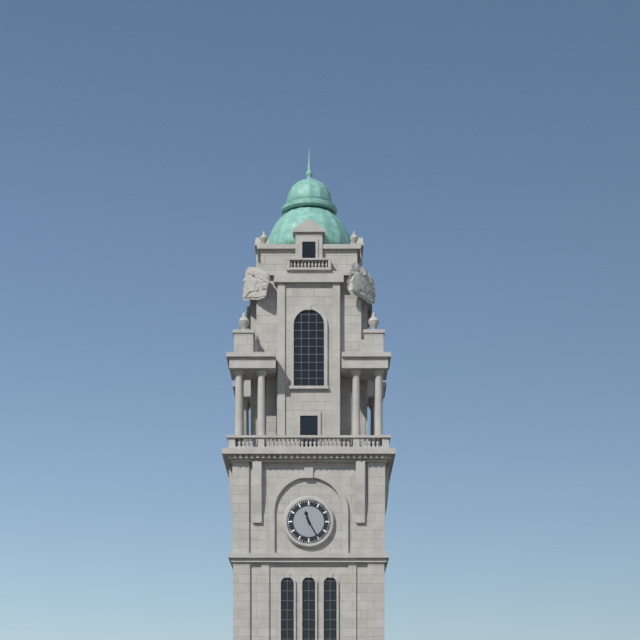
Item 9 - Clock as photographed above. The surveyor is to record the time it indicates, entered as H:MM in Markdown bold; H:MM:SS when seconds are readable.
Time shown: **11:25**
